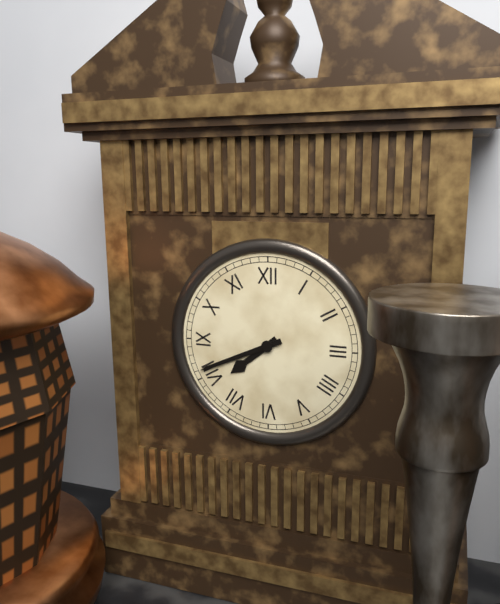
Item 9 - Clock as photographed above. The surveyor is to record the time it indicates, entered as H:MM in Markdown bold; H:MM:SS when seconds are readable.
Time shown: **7:41**
